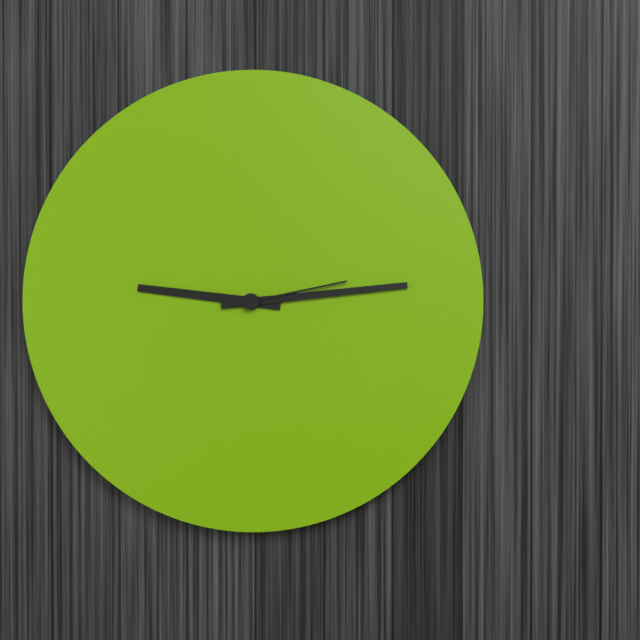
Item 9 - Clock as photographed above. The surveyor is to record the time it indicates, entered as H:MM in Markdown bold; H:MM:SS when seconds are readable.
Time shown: **9:14:13**
